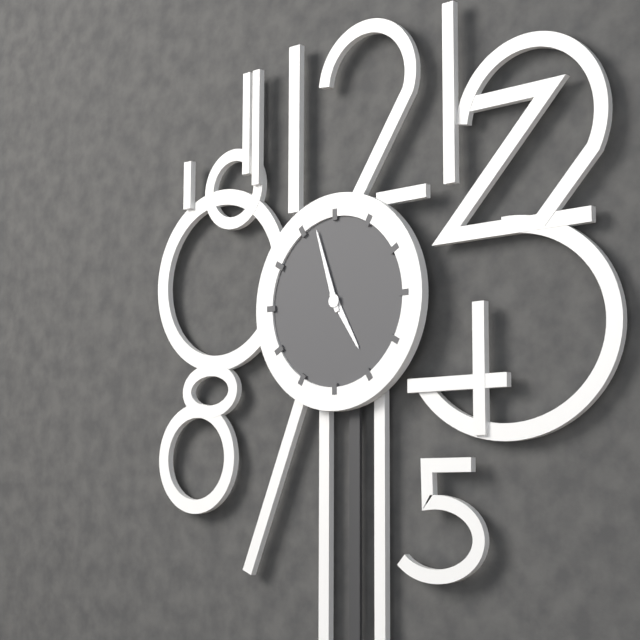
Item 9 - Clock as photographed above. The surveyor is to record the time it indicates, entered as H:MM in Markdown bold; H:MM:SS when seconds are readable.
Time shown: **4:57**
